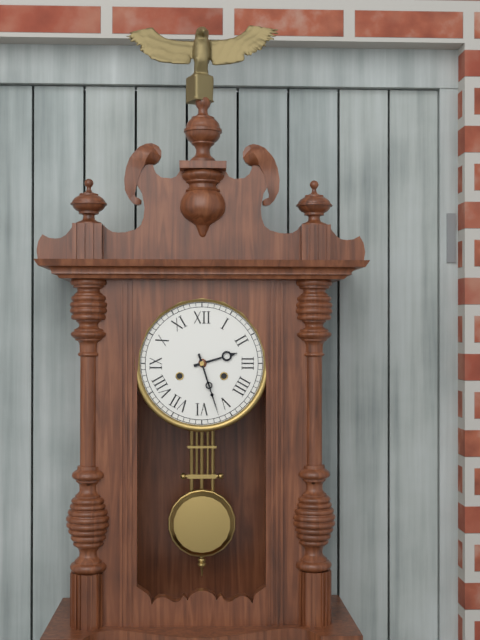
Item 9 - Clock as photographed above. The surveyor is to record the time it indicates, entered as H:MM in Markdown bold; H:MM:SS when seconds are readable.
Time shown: **2:27**
